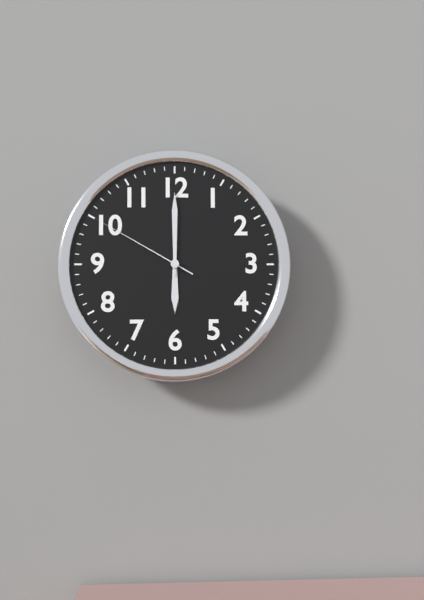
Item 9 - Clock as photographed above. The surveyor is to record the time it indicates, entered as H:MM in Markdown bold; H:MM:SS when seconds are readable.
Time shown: **6:00:50**
